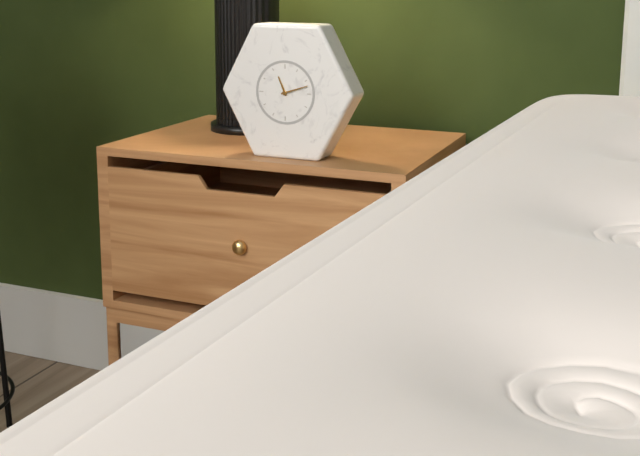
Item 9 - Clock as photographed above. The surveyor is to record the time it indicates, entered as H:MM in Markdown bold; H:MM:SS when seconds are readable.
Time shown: **11:12**
